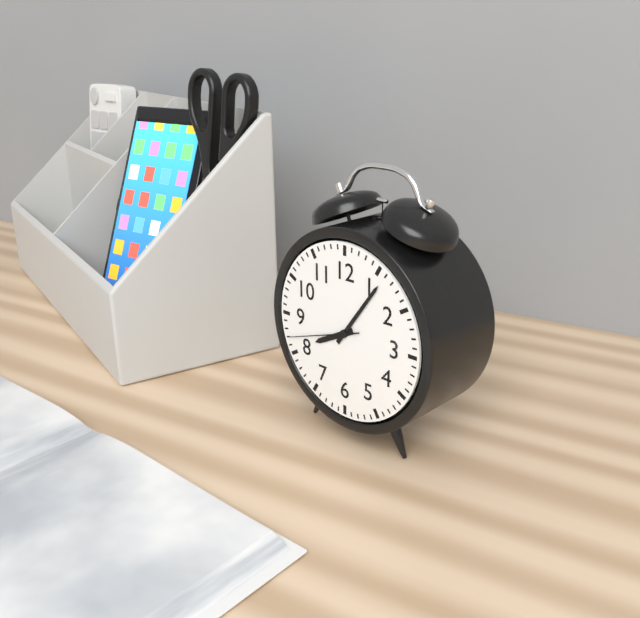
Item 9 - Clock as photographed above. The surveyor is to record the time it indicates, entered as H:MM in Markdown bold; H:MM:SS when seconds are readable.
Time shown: **8:06:42**
